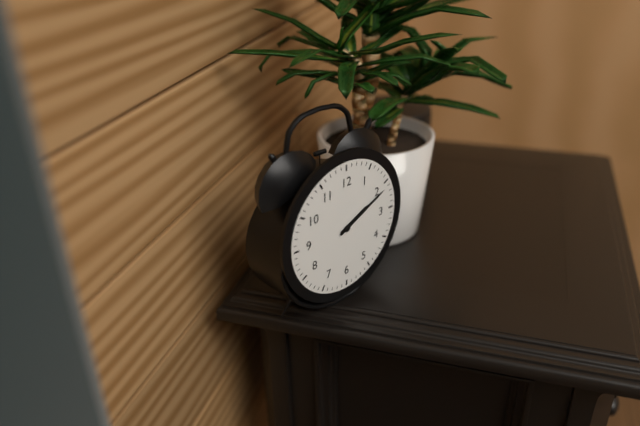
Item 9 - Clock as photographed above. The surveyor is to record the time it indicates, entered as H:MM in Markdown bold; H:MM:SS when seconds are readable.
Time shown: **2:11**
